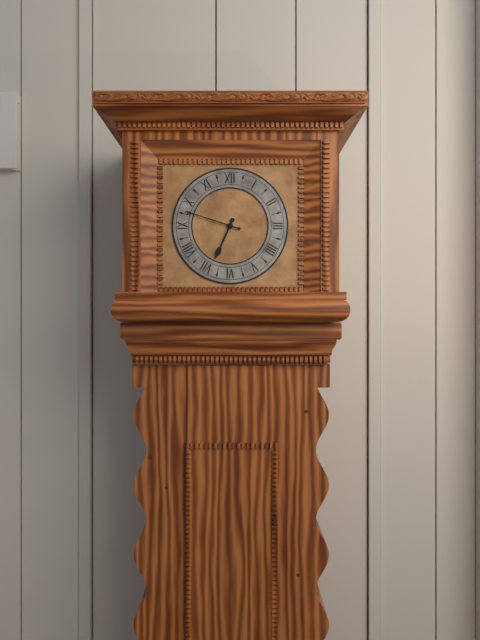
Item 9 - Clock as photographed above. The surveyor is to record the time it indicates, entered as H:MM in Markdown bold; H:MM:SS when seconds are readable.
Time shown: **6:48**
